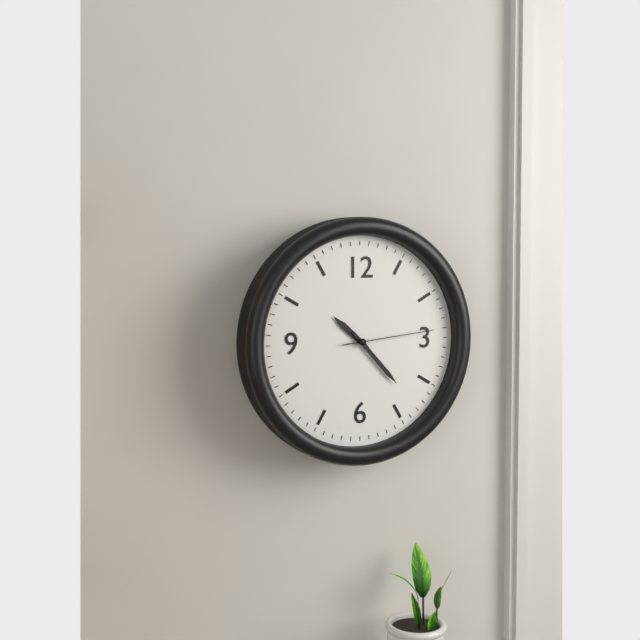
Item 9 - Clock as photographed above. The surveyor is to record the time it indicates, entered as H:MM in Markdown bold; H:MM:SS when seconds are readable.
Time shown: **10:23:14**
